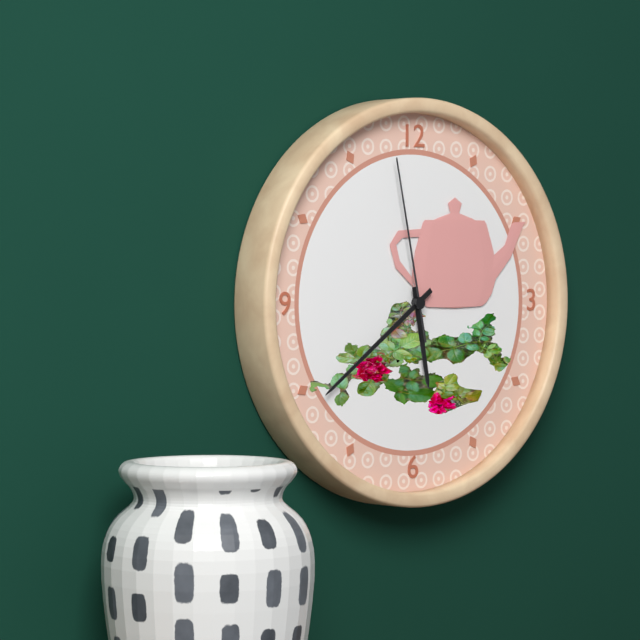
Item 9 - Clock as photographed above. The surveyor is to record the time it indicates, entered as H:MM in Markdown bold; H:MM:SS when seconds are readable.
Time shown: **5:39:58**
